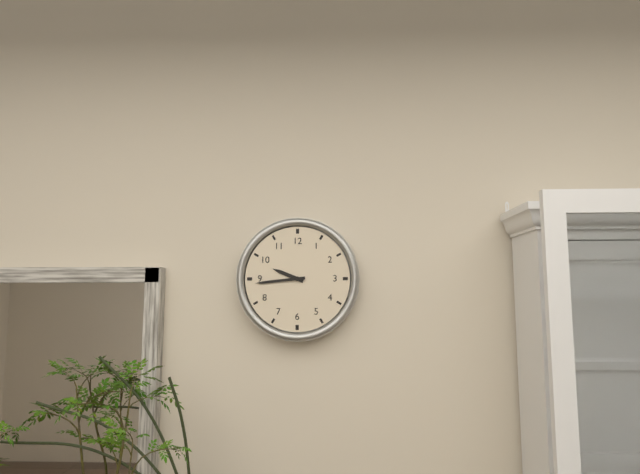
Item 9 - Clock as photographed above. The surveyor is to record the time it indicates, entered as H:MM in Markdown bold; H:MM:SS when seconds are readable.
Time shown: **9:44**
